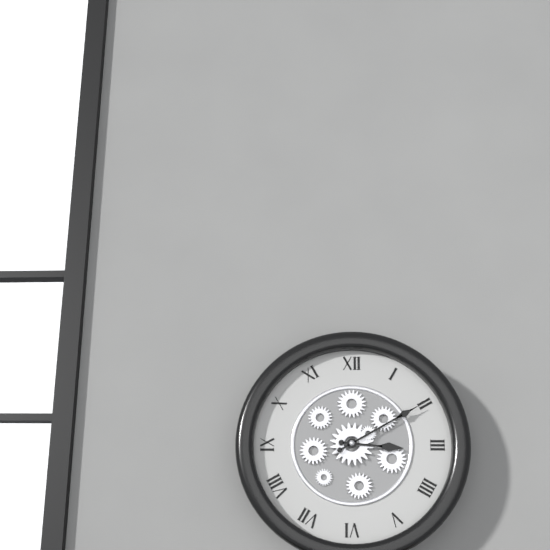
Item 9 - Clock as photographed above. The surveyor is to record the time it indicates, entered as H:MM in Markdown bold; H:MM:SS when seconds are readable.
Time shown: **3:10**
